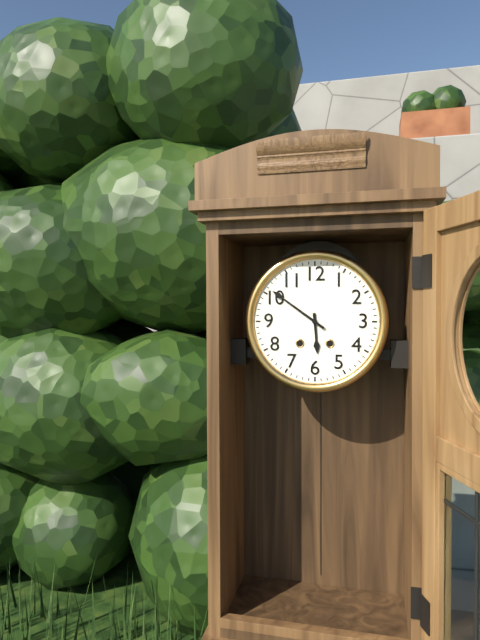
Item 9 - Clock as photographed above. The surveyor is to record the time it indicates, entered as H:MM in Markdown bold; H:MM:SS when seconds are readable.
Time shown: **5:51**
